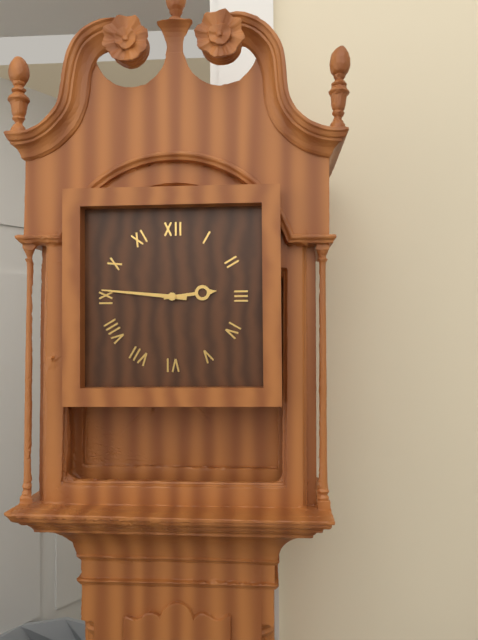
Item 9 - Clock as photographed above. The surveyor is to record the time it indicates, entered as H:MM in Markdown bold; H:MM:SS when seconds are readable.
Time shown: **2:46**
